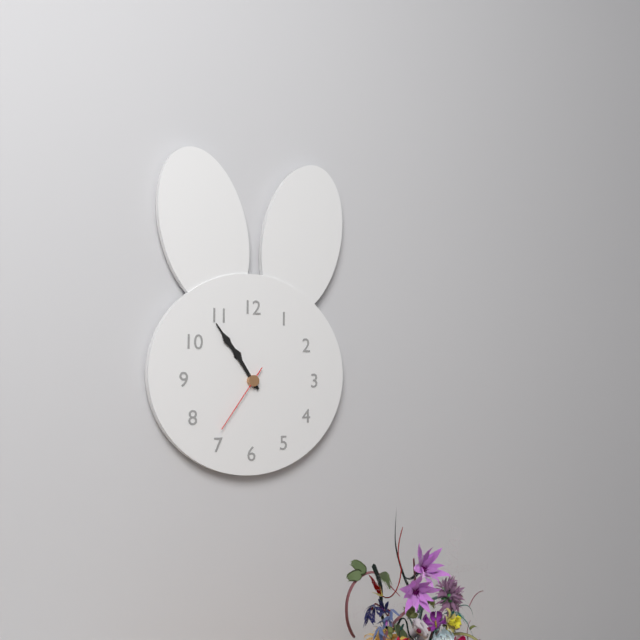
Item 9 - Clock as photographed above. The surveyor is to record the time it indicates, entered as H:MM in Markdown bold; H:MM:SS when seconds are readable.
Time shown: **10:54:36**
